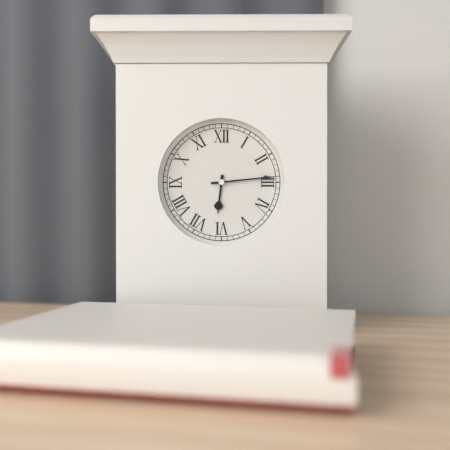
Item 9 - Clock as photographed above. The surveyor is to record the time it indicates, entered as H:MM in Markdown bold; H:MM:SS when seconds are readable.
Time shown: **6:14**
